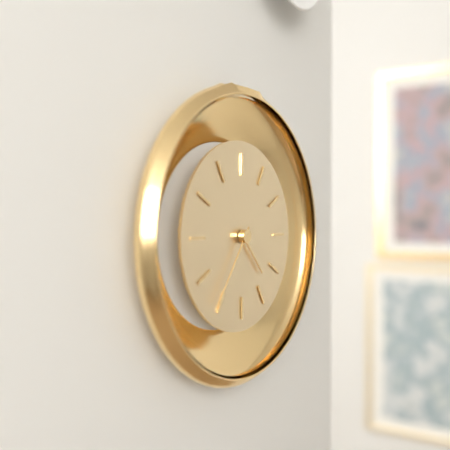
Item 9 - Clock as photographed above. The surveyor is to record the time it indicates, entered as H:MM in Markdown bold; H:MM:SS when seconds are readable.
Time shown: **4:36**
